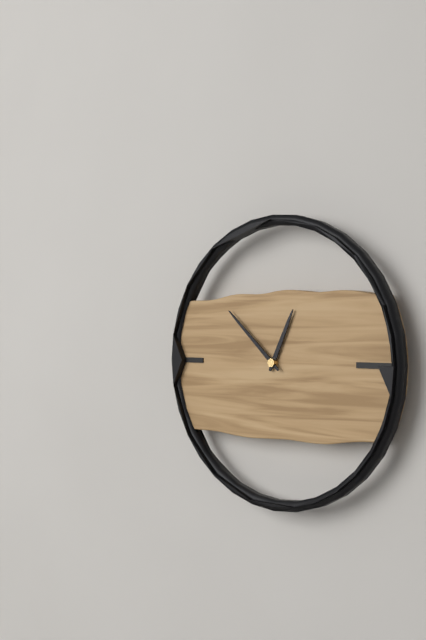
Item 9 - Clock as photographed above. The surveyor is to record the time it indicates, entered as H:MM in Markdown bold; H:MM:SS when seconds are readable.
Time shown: **12:52**
